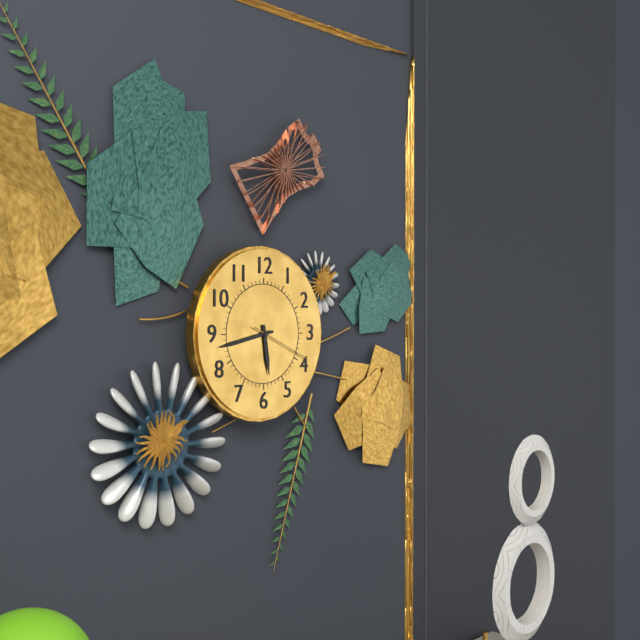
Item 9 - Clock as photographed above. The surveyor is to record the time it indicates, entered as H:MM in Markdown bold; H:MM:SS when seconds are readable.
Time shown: **5:43:19**
